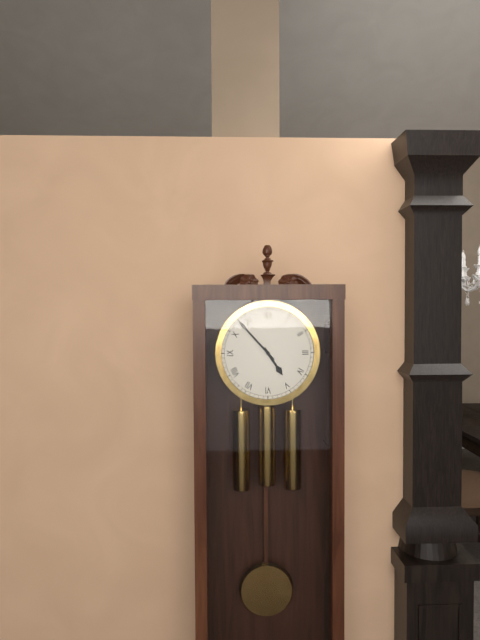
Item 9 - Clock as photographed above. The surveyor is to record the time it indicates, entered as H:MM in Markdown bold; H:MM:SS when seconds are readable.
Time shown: **4:53**
